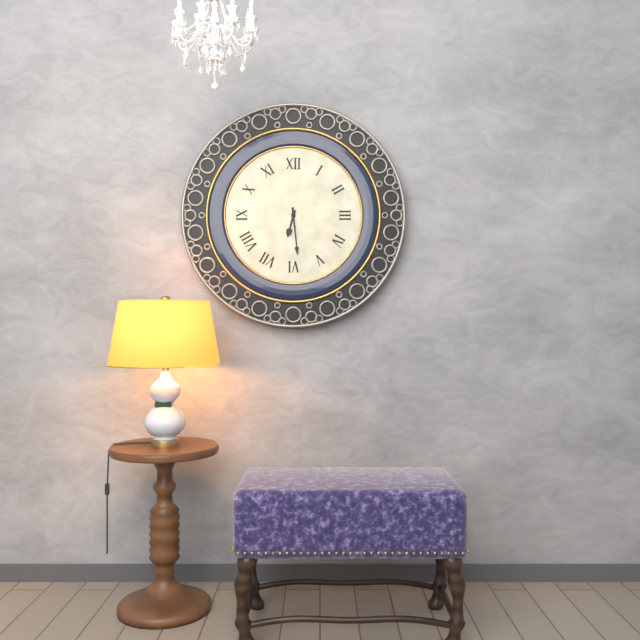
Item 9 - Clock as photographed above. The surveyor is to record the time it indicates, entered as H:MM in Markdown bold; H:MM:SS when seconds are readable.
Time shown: **6:29**
